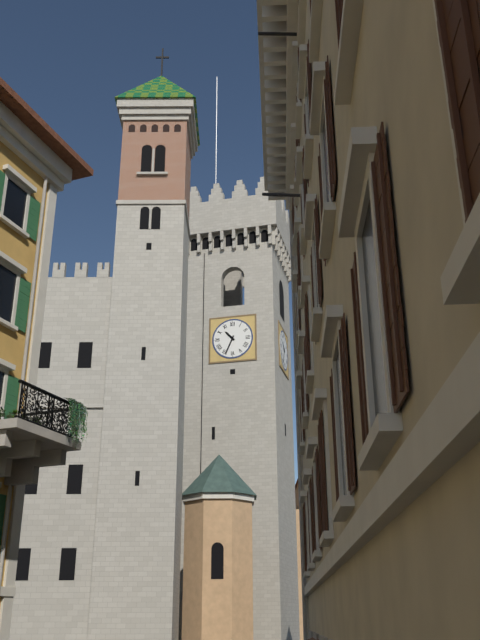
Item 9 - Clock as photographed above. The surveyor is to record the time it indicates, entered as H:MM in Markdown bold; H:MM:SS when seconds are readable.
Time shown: **10:34**
